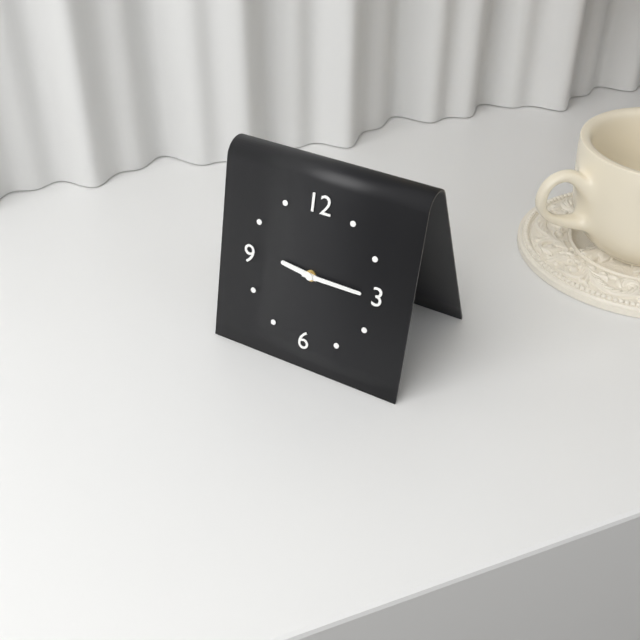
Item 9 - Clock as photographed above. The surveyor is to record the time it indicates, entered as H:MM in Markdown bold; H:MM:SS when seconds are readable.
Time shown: **9:15**
